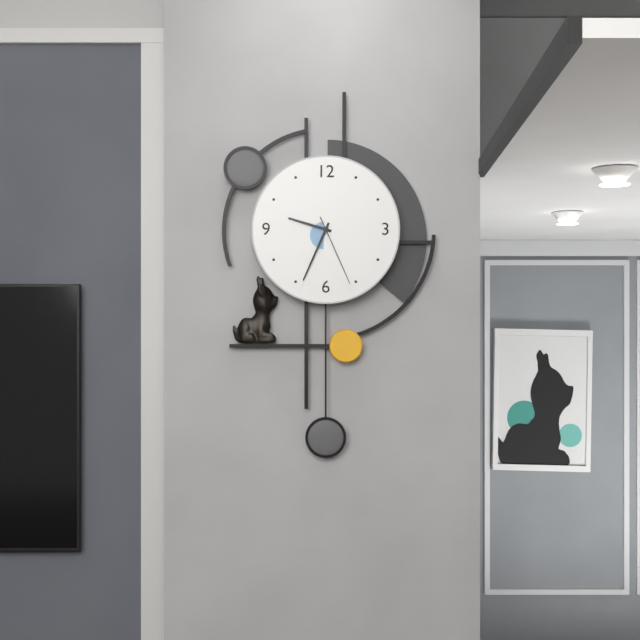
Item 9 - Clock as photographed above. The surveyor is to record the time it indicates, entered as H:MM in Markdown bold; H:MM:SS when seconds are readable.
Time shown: **9:34:26**
